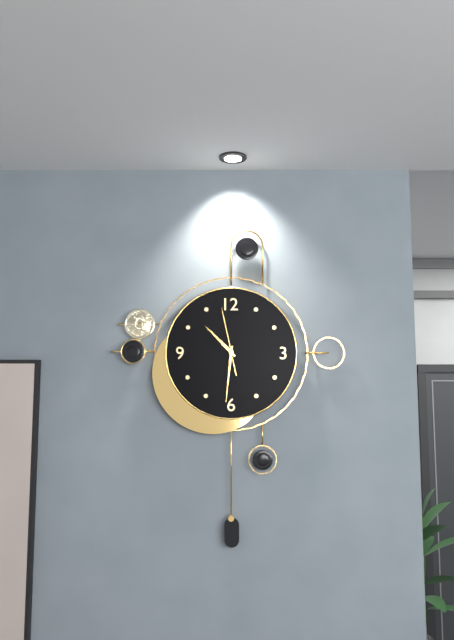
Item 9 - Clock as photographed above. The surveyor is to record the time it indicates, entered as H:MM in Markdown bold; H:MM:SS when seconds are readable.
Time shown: **10:31:58**
